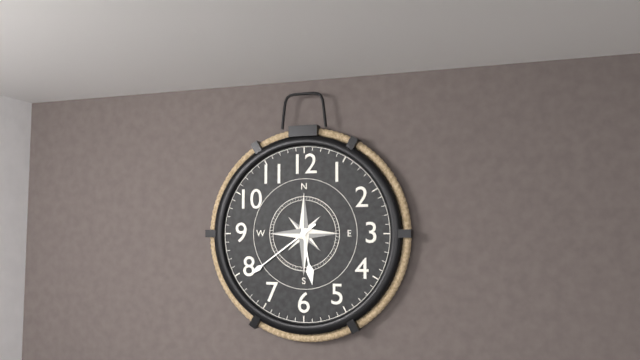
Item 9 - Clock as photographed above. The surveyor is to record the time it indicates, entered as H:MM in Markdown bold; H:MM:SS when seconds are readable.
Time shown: **5:39**
